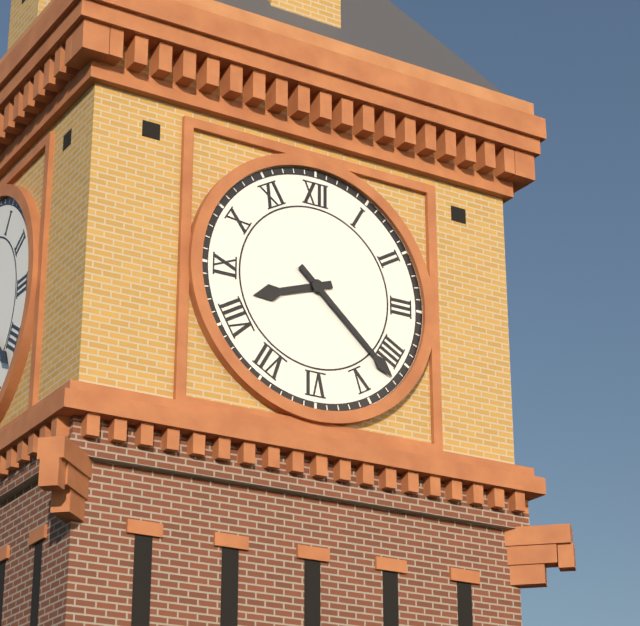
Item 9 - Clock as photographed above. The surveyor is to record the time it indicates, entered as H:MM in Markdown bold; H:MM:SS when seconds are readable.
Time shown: **8:22**
